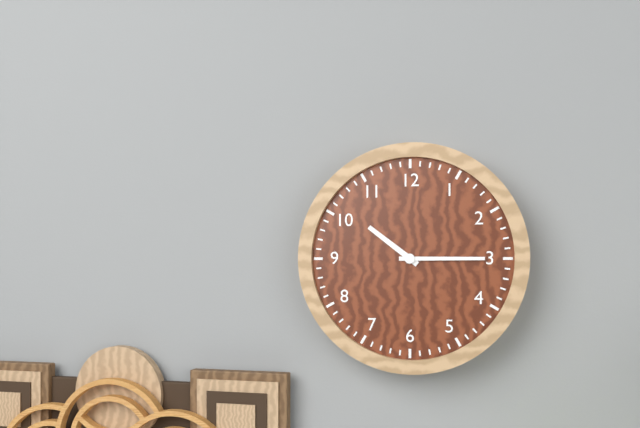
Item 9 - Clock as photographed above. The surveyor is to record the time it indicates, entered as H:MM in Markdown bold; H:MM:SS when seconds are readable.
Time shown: **10:15**
